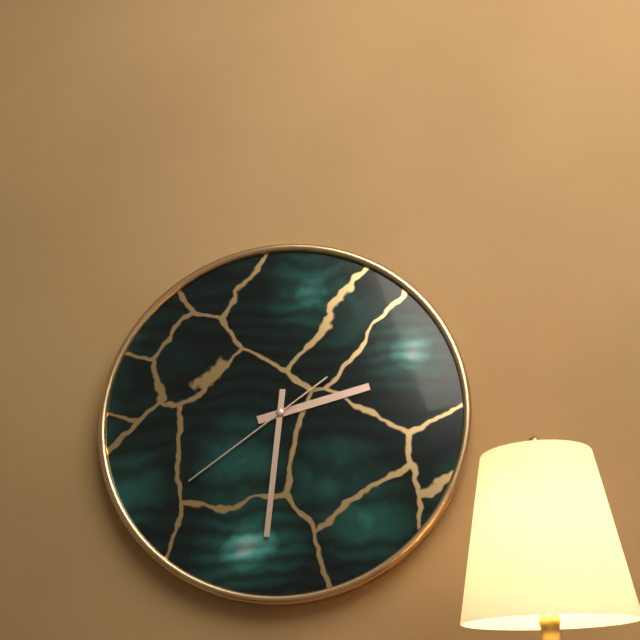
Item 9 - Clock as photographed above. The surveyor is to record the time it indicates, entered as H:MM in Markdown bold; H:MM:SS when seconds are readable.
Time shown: **2:31:39**
